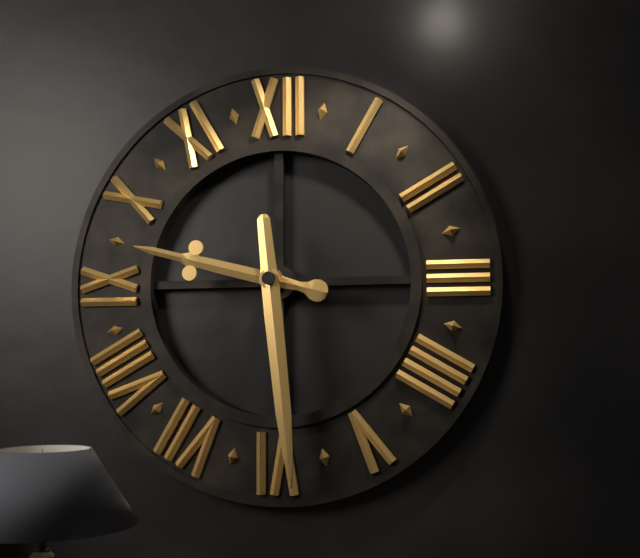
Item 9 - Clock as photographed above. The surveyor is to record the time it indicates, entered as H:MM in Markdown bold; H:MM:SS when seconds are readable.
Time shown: **9:29**
